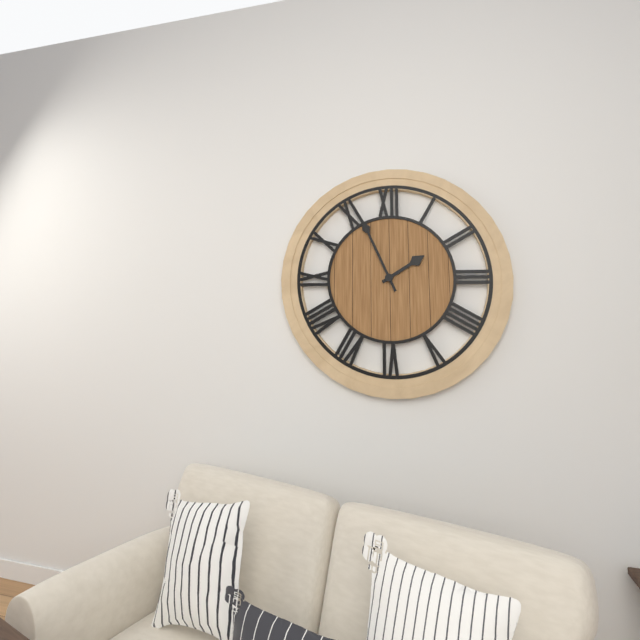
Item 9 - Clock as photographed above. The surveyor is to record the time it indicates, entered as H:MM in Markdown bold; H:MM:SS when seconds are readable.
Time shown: **1:56**
